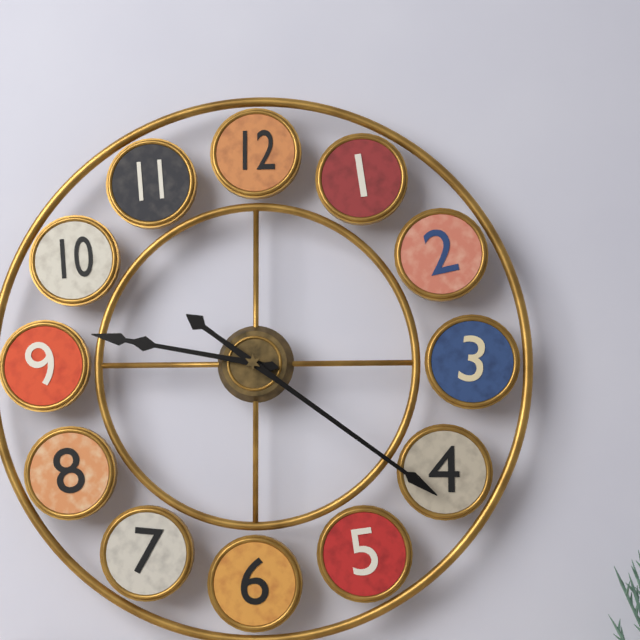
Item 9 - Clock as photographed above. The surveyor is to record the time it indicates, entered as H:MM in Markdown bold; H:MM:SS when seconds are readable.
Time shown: **9:21**
